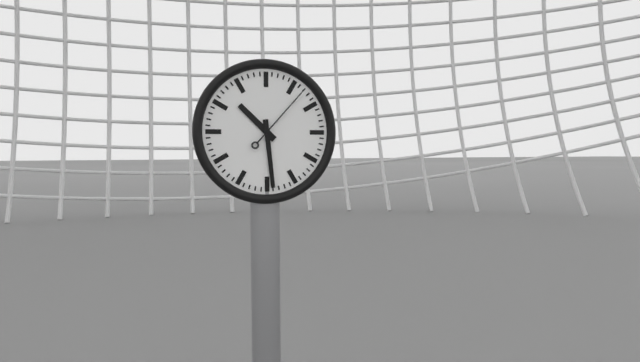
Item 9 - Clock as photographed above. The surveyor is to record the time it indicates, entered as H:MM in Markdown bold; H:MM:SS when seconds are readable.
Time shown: **10:29:07**
